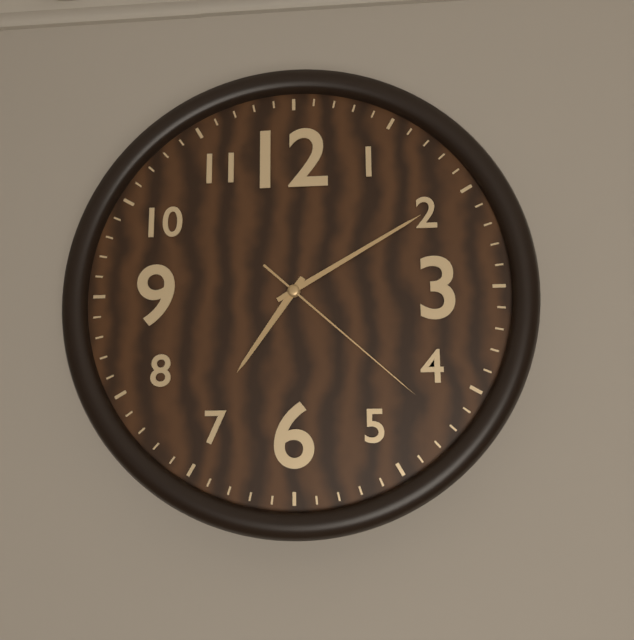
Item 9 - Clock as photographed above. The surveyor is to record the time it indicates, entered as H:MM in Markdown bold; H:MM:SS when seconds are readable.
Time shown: **7:10:22**
